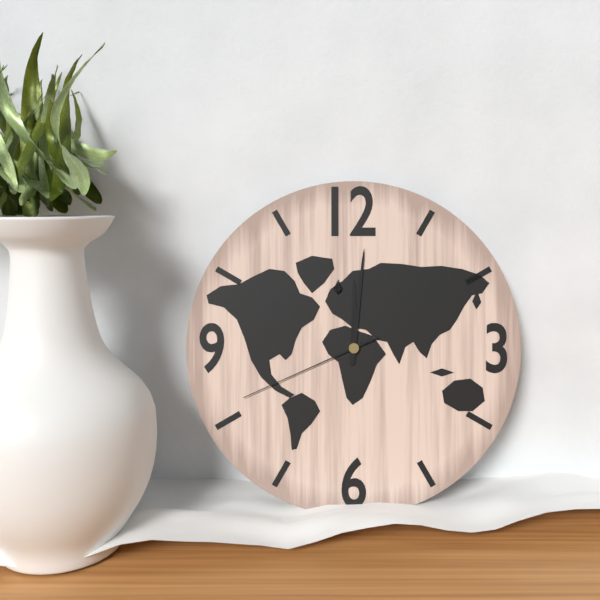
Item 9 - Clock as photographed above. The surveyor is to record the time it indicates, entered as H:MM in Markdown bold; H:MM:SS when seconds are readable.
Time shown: **12:01:41**
